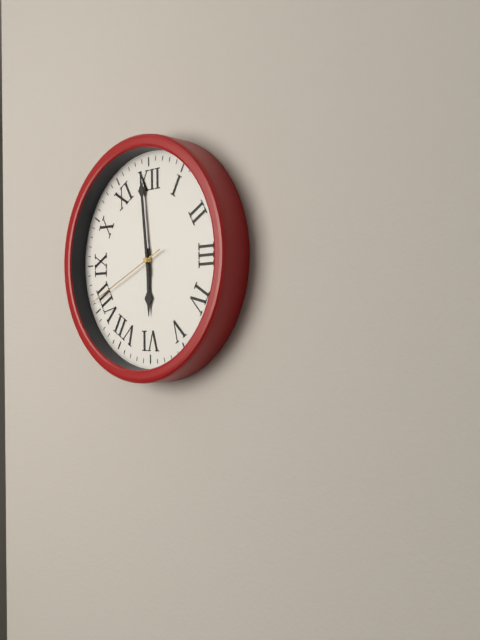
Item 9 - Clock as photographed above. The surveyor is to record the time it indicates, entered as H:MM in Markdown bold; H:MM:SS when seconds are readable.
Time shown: **5:59:41**
